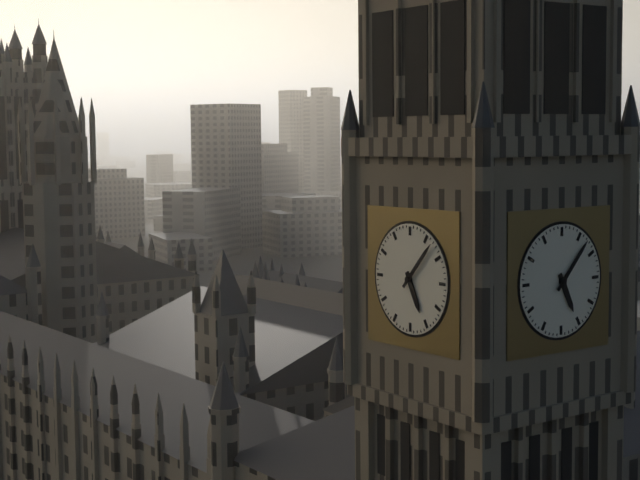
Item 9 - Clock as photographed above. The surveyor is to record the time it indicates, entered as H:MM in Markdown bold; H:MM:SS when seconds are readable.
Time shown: **5:07**
